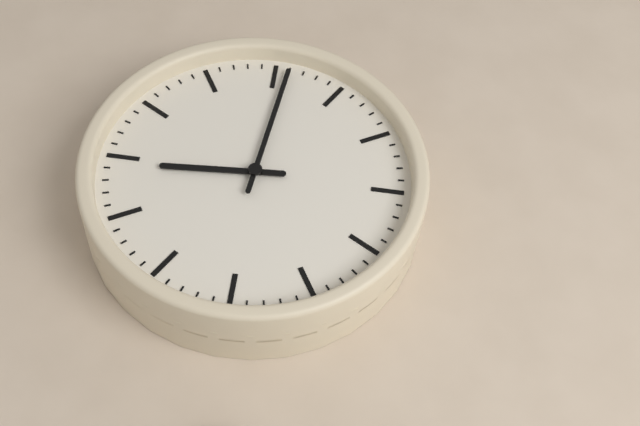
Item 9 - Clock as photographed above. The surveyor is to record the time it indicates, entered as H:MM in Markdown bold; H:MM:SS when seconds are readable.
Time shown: **6:51**
